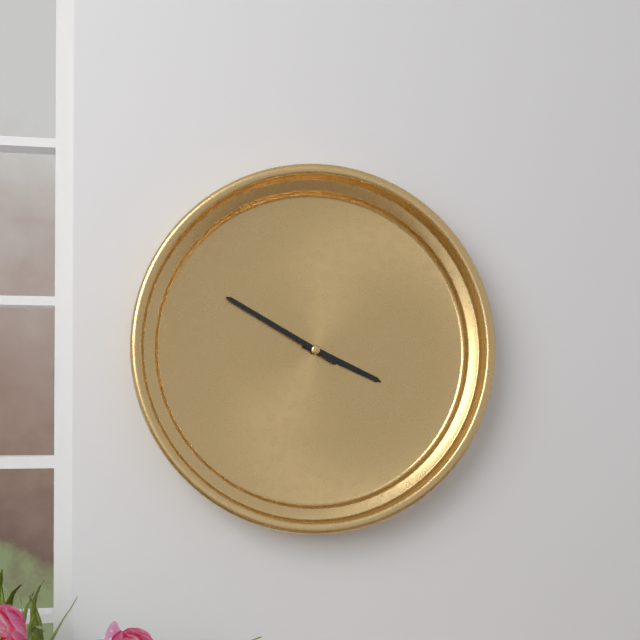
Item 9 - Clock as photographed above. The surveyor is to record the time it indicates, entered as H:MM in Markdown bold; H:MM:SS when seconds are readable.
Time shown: **3:50**
